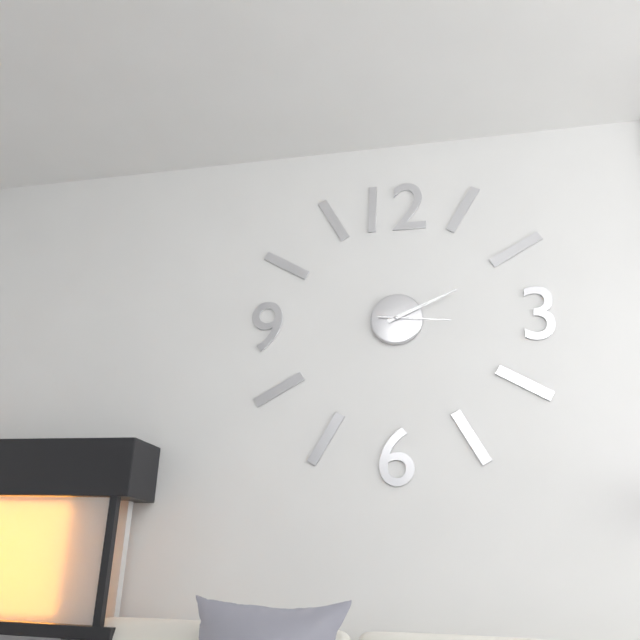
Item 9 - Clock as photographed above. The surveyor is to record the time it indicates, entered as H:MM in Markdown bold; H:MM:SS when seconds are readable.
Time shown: **2:11:16**
